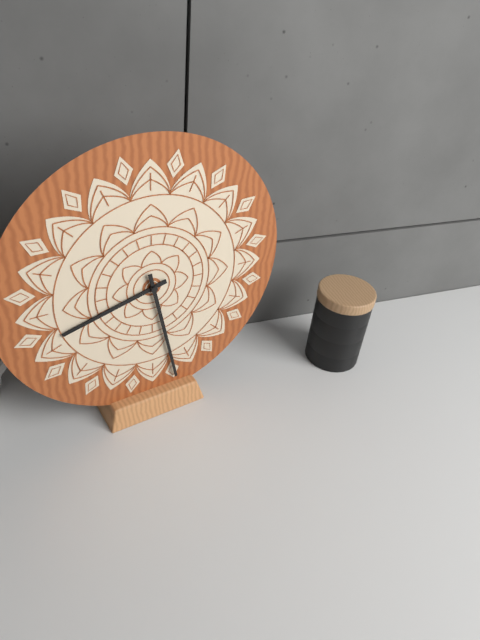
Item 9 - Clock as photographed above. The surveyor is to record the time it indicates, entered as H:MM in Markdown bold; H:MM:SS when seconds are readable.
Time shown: **8:28**
